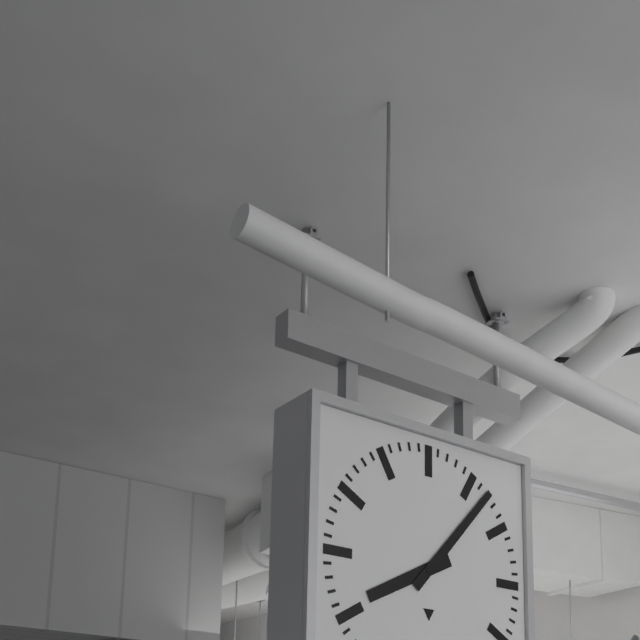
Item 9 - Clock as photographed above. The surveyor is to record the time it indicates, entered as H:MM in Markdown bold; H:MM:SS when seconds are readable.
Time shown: **8:07**
